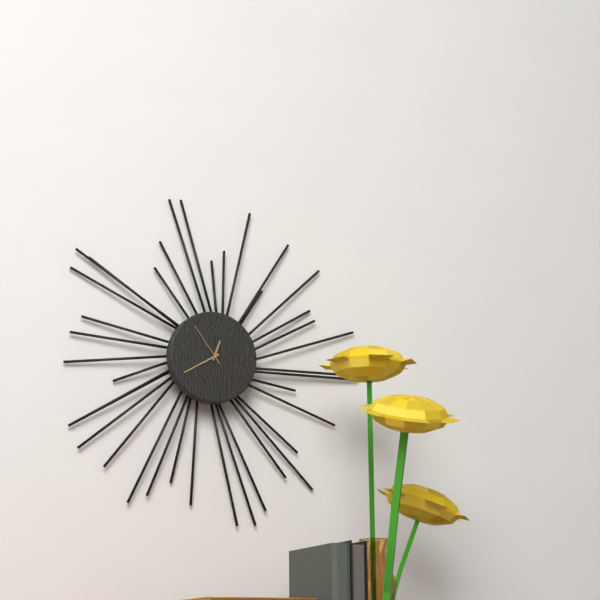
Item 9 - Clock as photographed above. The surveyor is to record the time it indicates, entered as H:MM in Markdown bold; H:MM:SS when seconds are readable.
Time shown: **12:40**
